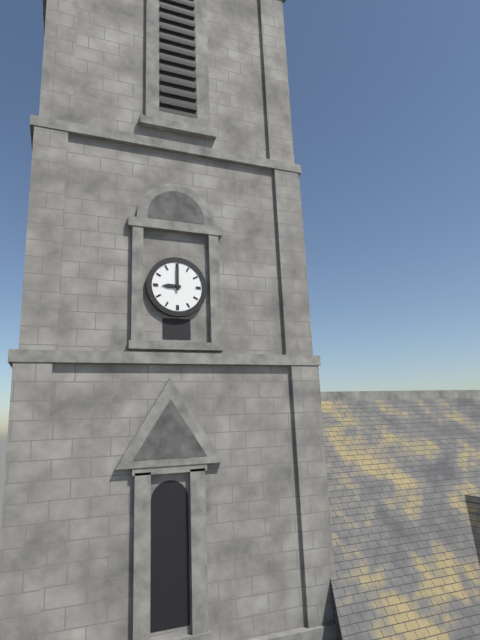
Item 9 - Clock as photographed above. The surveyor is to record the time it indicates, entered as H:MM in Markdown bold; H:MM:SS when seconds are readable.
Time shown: **9:00**
